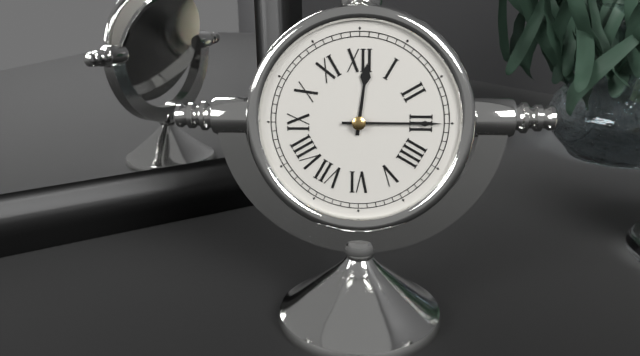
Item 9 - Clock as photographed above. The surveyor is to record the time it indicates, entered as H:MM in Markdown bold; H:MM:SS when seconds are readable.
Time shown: **12:15**
